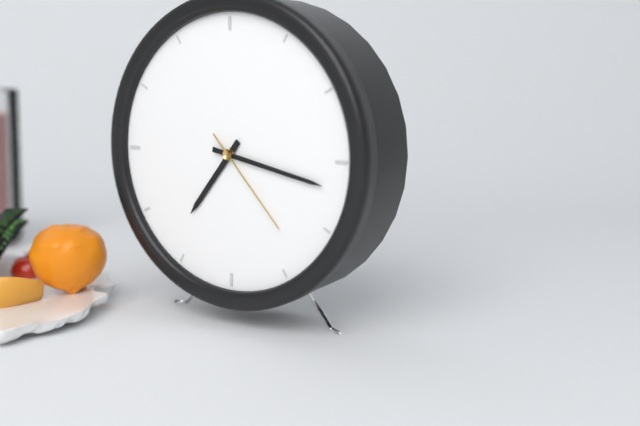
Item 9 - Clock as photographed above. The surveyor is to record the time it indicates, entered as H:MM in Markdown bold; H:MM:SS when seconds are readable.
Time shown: **7:17:23**
